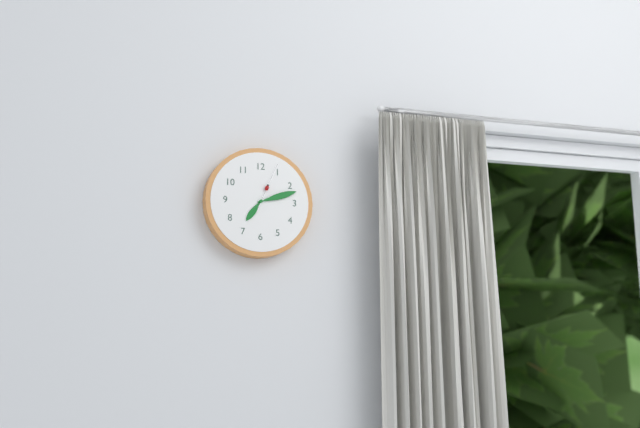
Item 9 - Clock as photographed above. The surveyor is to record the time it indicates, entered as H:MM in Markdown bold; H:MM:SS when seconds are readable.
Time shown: **7:12:04**
